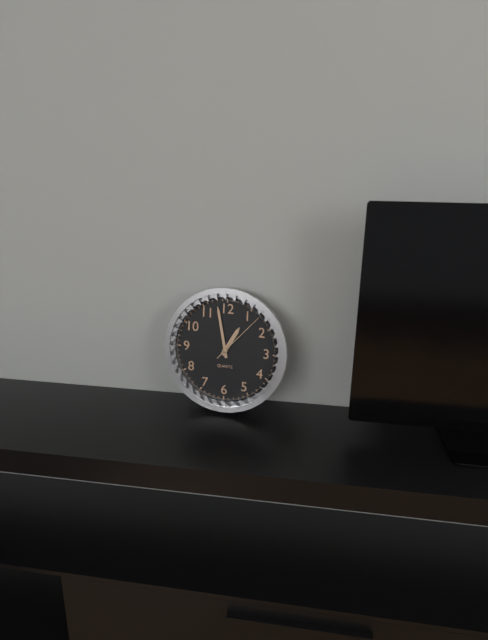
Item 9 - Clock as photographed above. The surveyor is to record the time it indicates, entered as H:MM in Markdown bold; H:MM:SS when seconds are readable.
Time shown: **12:58:07**
